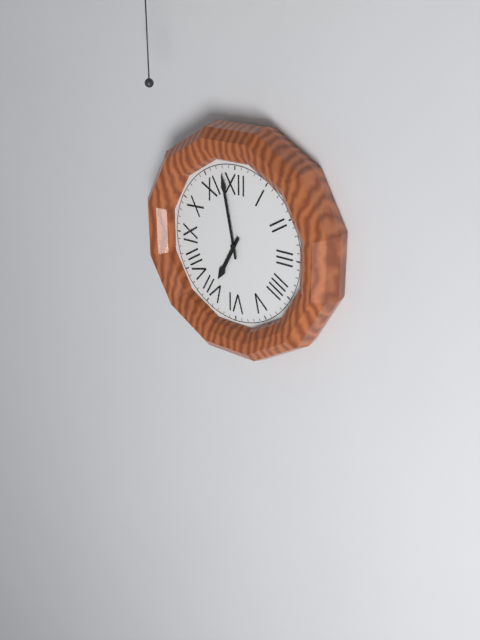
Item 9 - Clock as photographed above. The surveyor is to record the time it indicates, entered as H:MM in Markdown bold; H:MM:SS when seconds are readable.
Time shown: **6:58**
